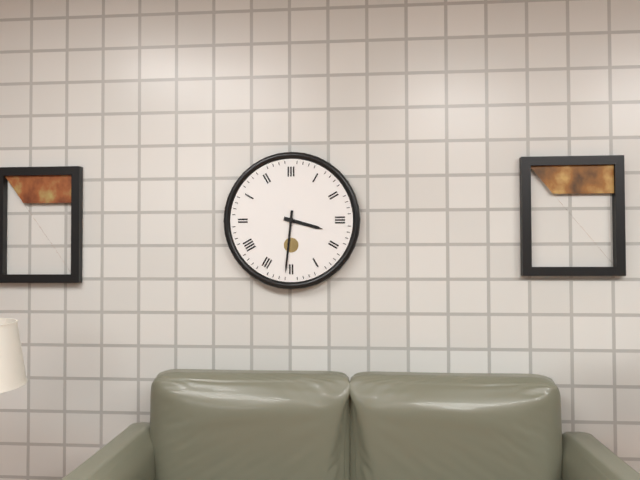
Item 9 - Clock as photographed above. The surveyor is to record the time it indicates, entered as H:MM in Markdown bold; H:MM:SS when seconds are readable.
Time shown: **3:31**
